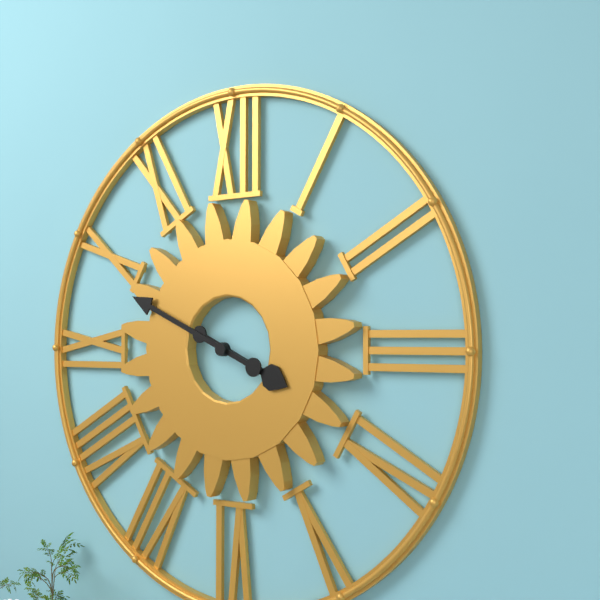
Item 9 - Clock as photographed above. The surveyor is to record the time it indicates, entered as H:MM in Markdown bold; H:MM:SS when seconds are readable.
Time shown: **3:49**
